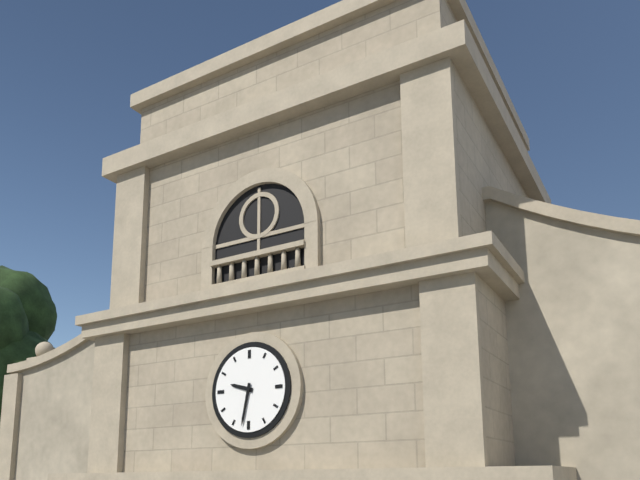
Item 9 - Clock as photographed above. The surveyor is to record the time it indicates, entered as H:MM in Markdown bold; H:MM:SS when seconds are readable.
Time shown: **9:32**
